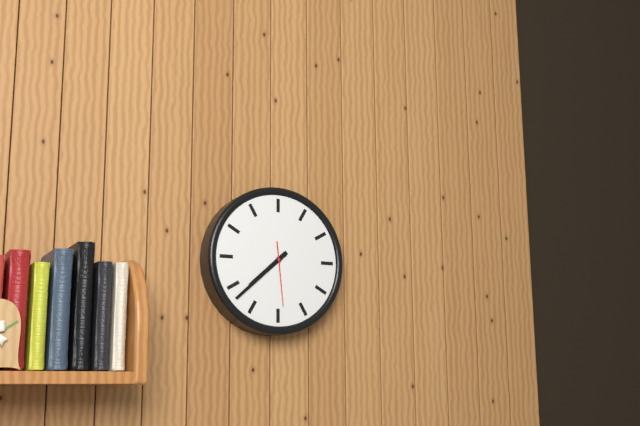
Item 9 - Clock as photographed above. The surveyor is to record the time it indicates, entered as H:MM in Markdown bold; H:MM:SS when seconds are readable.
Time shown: **7:38:29**
